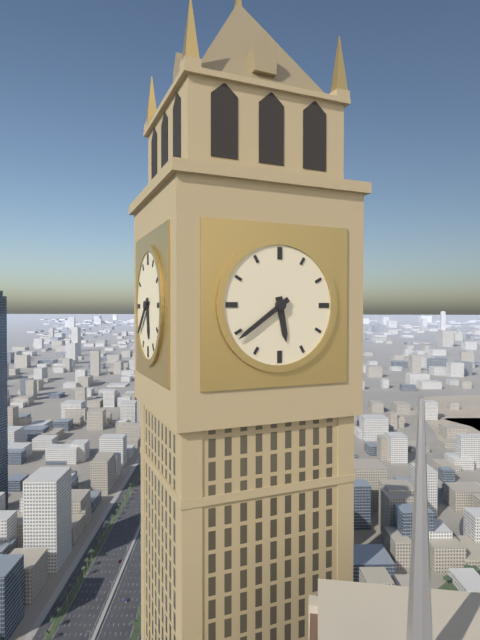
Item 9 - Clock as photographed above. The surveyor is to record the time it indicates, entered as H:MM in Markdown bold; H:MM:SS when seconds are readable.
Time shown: **5:39**
